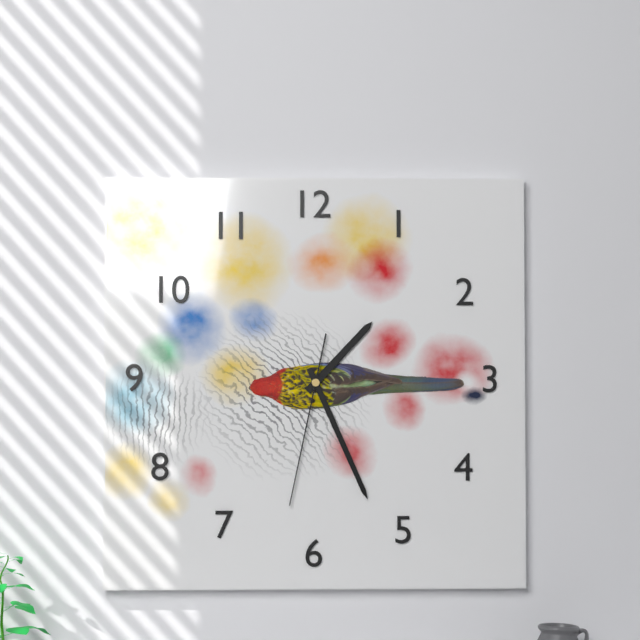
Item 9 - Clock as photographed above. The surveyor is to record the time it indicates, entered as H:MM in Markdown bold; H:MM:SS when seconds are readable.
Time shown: **1:26:32**
